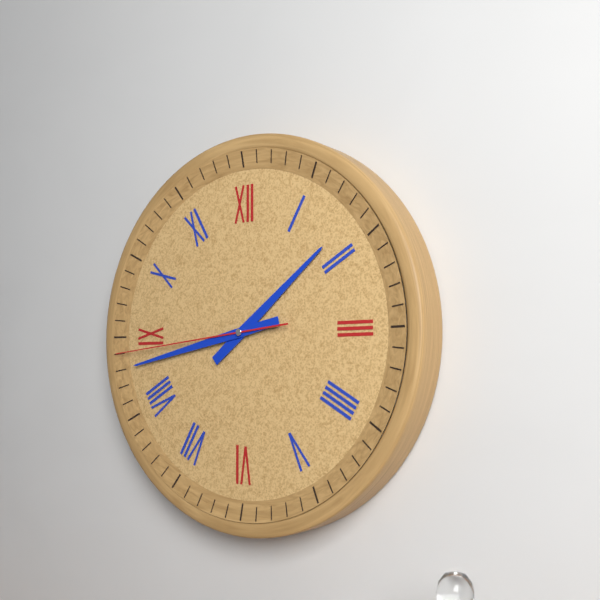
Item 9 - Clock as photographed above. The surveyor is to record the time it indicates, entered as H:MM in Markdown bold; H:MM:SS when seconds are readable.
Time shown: **1:43:44**
